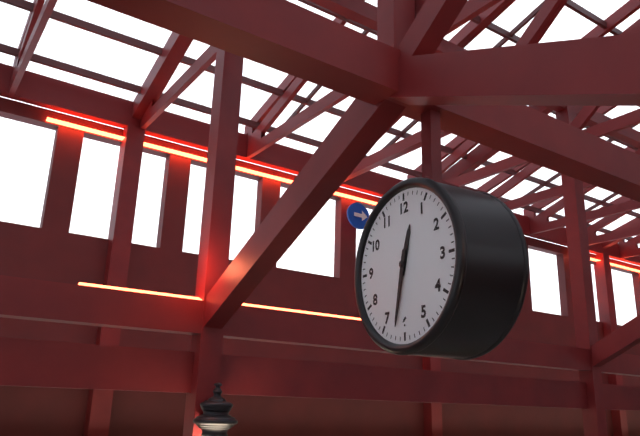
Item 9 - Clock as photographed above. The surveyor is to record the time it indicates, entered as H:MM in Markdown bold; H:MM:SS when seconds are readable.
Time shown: **12:32**
